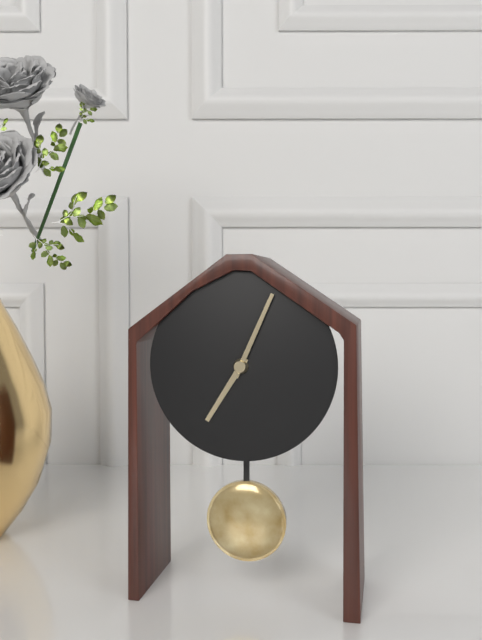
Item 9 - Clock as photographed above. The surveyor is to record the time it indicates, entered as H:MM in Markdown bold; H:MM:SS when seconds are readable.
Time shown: **7:04**
